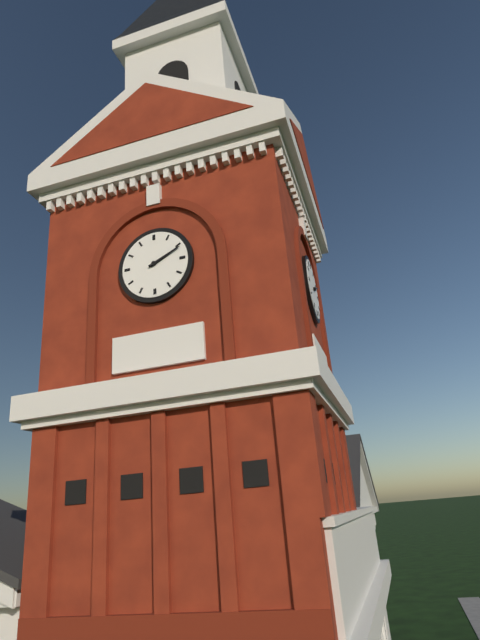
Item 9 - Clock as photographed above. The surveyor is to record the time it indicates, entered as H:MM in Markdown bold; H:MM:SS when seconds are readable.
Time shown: **2:11**
